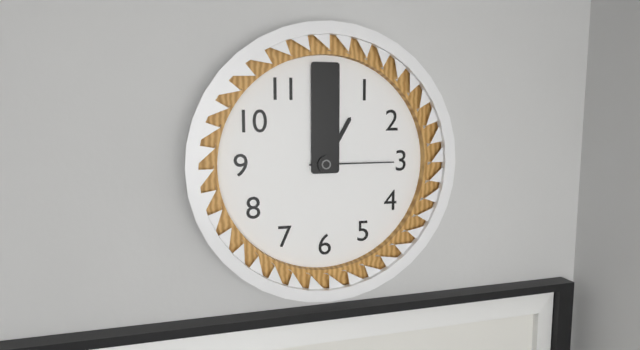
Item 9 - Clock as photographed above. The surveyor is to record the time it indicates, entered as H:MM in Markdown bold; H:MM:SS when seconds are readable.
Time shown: **1:00:15**
